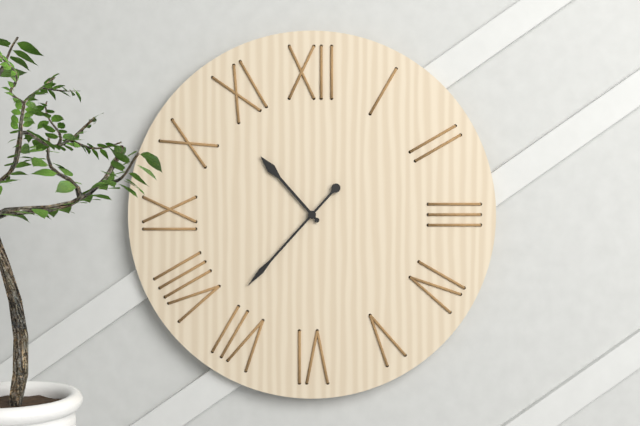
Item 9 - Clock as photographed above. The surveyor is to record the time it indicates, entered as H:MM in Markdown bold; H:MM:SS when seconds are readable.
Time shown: **10:37**
